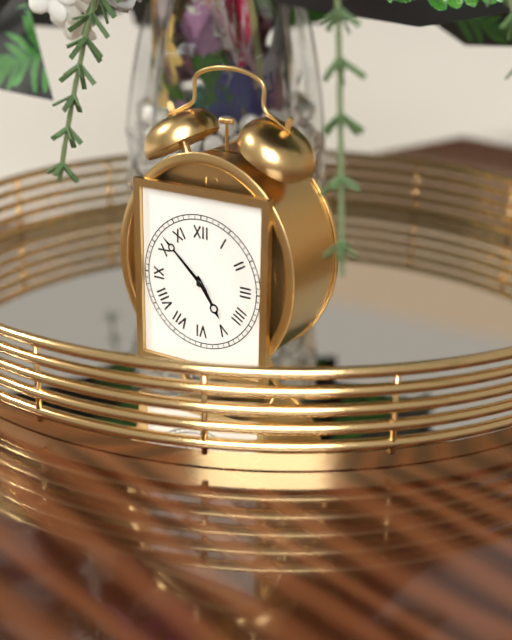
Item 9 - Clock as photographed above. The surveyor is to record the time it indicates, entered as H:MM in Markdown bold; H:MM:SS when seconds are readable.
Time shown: **4:52**
